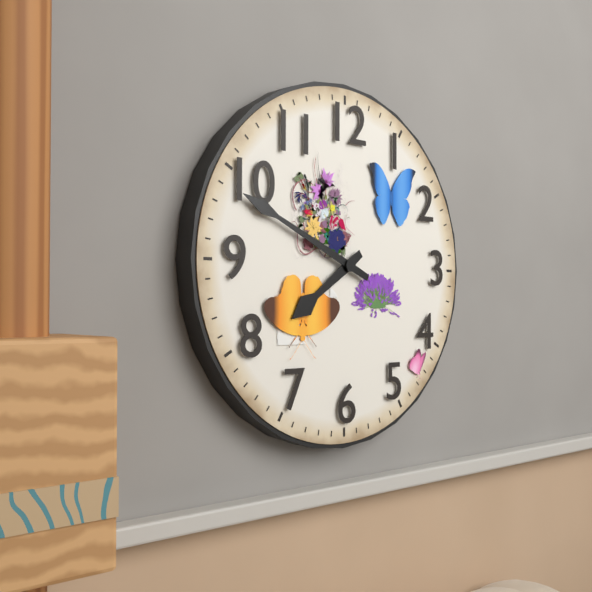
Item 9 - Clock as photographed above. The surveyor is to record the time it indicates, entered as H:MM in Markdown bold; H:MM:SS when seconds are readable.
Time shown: **7:49**
